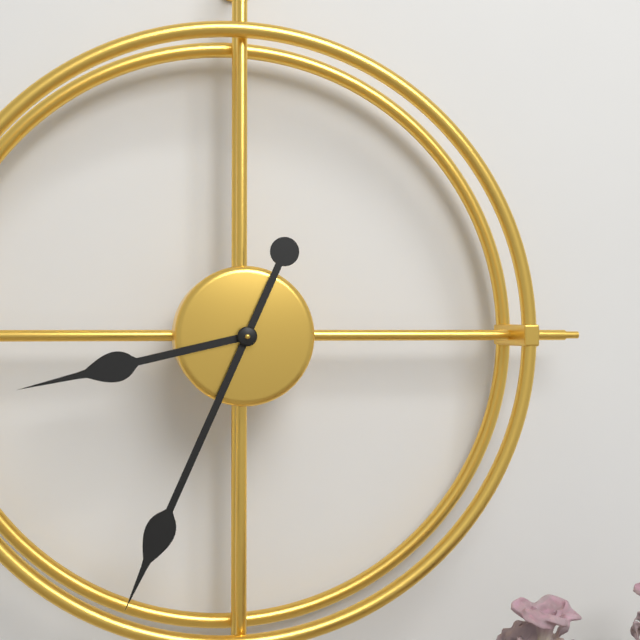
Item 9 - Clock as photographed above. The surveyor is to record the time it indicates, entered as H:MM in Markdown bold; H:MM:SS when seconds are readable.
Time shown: **8:34**
